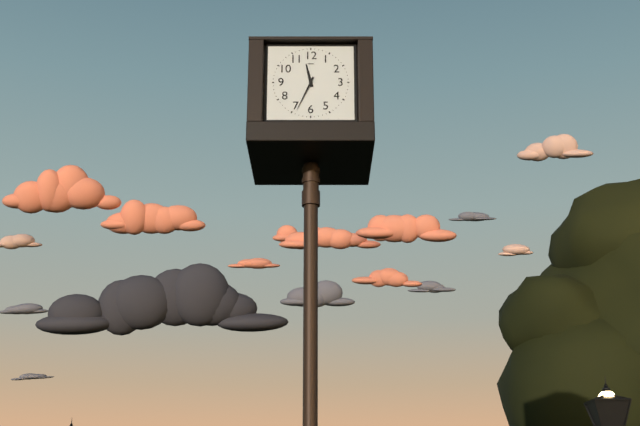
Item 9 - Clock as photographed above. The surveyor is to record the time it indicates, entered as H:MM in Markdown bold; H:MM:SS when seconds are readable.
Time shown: **11:34**
